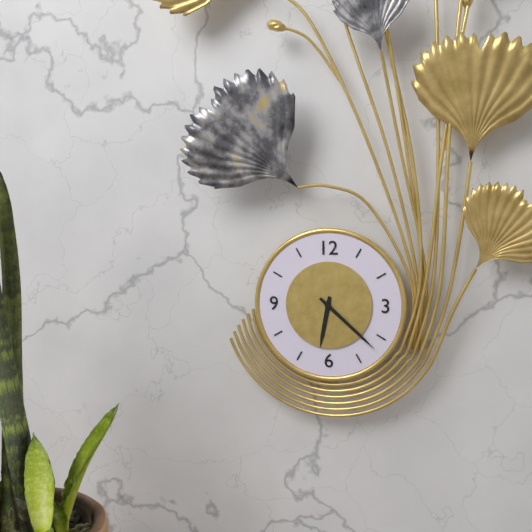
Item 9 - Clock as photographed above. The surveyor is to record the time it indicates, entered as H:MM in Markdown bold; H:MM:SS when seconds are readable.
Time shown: **6:22**
